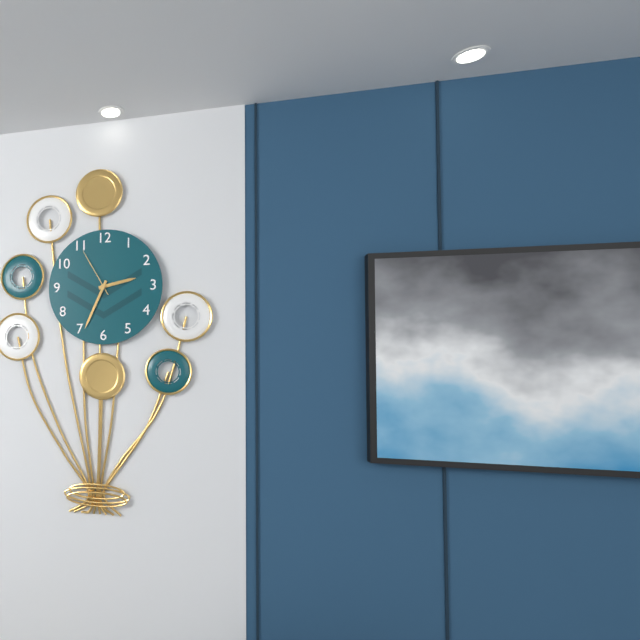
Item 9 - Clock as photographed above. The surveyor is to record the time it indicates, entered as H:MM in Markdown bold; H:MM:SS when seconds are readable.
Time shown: **2:34:55**
